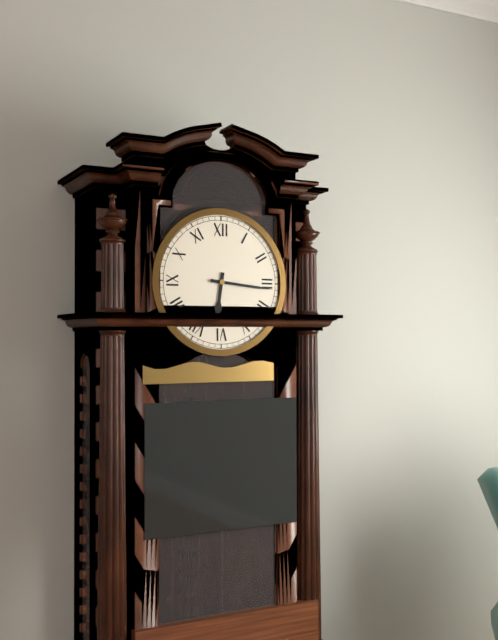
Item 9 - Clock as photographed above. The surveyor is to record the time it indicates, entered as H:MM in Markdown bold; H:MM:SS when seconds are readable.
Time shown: **6:16**
